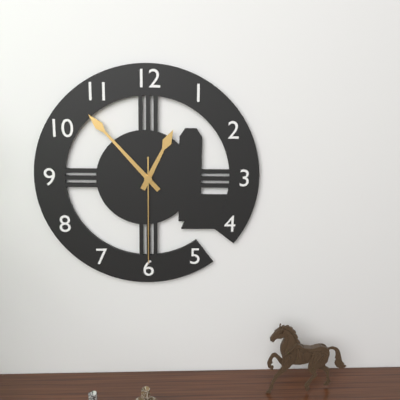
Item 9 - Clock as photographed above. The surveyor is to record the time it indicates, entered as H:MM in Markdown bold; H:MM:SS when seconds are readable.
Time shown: **12:53:30**
